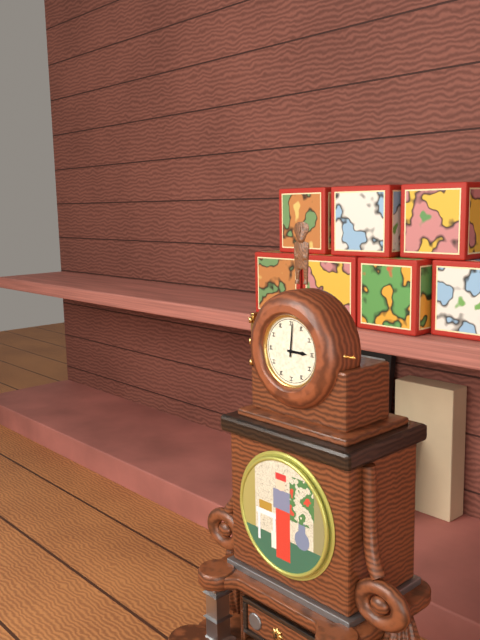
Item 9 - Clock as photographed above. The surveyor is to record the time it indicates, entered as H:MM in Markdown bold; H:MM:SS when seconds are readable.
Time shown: **3:01**
